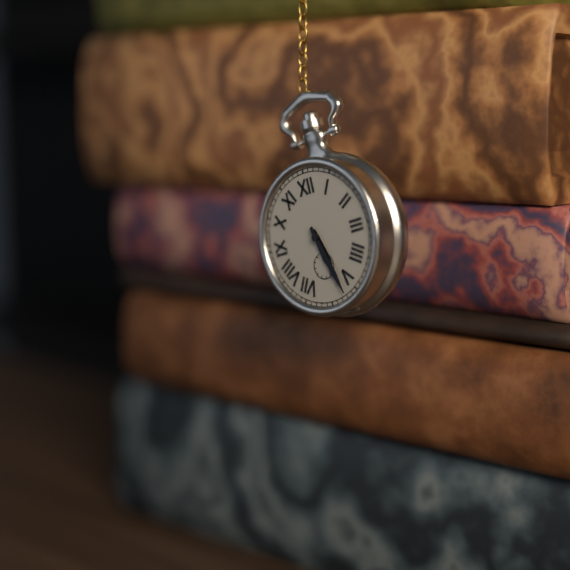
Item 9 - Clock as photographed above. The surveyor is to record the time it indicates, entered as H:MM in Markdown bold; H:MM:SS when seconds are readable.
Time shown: **5:27**
